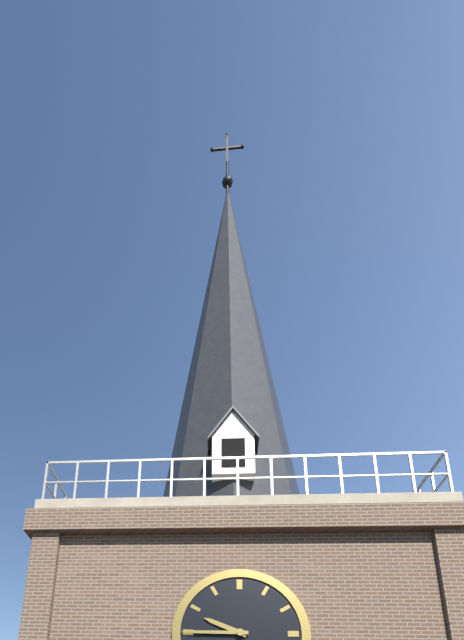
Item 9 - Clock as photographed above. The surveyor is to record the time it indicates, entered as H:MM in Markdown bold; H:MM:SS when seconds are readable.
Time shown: **9:45**
